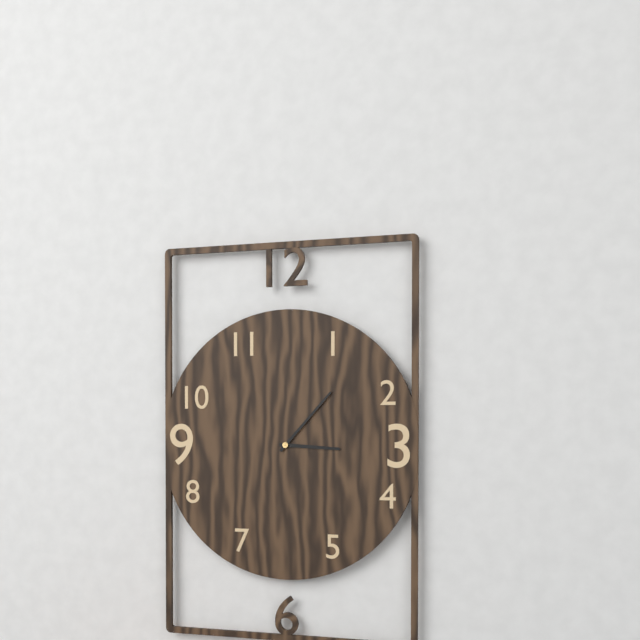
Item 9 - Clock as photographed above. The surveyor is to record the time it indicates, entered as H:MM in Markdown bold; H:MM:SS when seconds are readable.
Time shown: **3:07**
